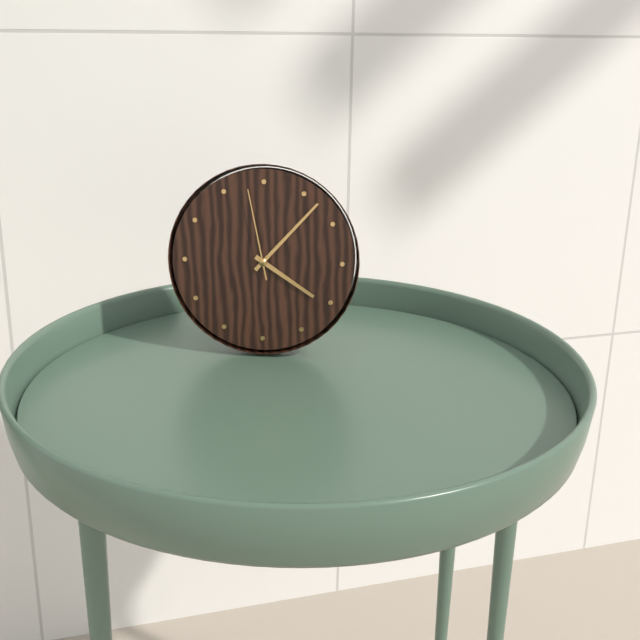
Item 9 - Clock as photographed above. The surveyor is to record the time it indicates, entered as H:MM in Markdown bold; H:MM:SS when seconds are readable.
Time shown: **4:07:58**
